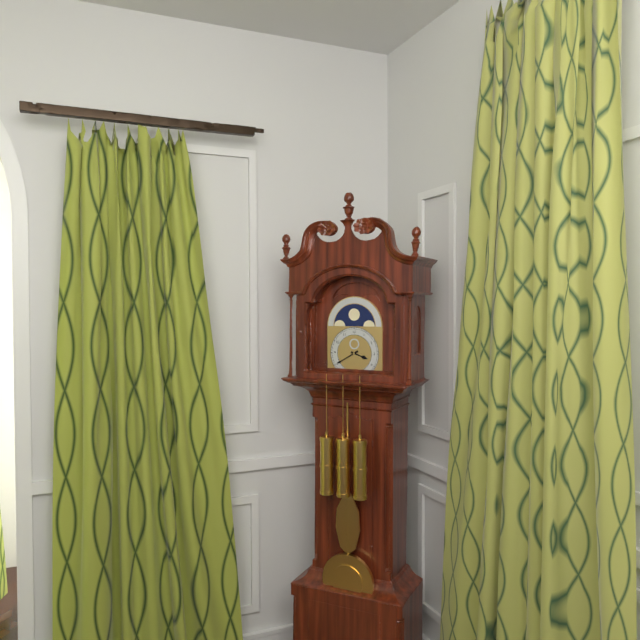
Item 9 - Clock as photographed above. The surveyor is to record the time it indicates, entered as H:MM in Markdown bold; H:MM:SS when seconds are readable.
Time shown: **3:40**
